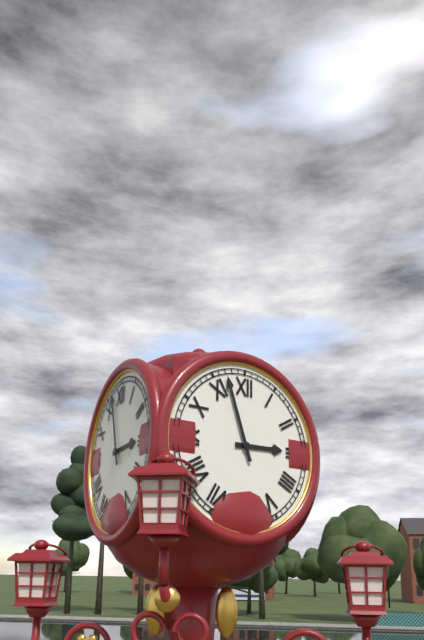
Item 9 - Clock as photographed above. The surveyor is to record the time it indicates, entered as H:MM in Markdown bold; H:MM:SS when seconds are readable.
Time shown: **2:57**
